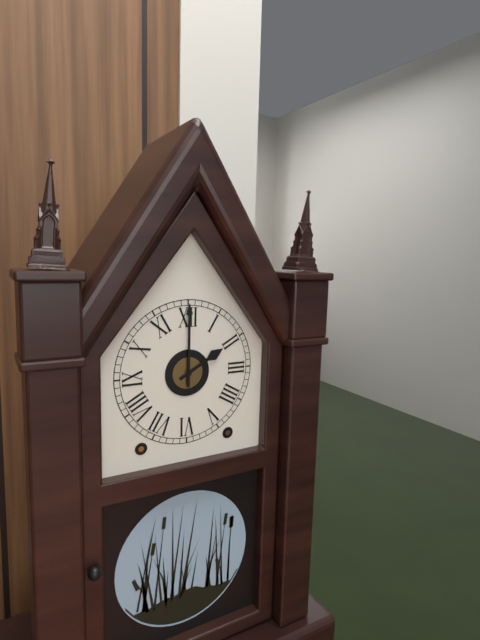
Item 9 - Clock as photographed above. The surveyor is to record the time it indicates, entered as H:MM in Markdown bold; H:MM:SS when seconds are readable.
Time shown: **2:00**
